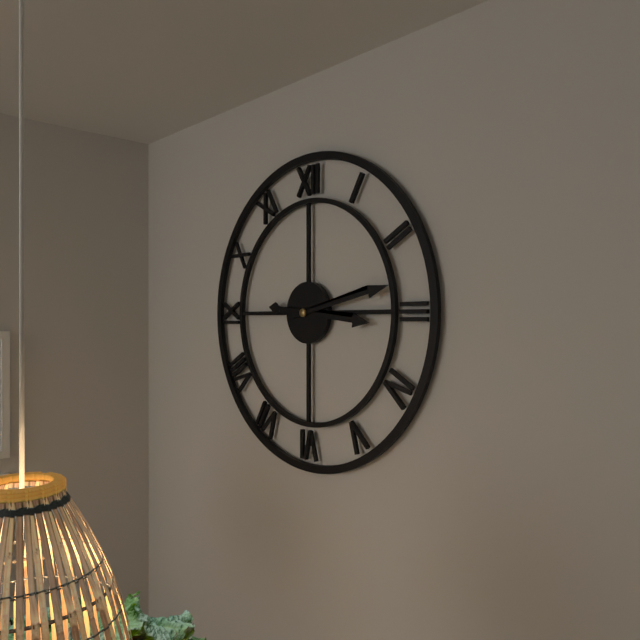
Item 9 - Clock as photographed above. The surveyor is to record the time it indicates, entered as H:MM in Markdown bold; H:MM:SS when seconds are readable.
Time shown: **3:13**
